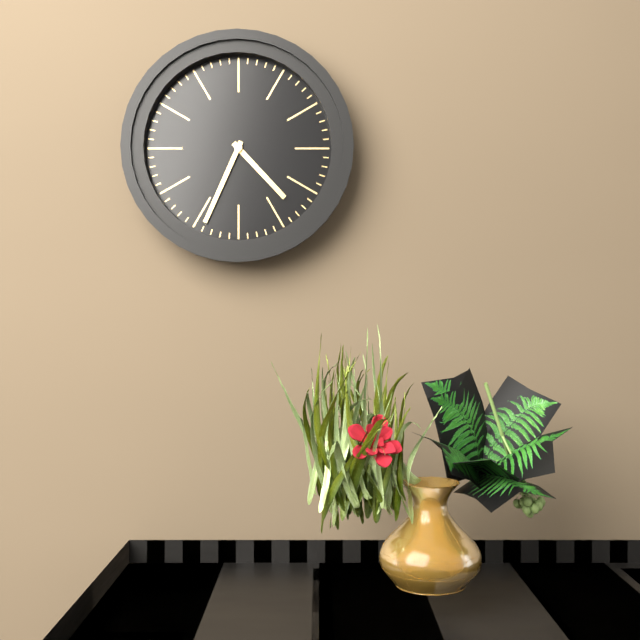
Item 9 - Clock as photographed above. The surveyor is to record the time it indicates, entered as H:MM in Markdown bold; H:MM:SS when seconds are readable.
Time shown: **4:34**
